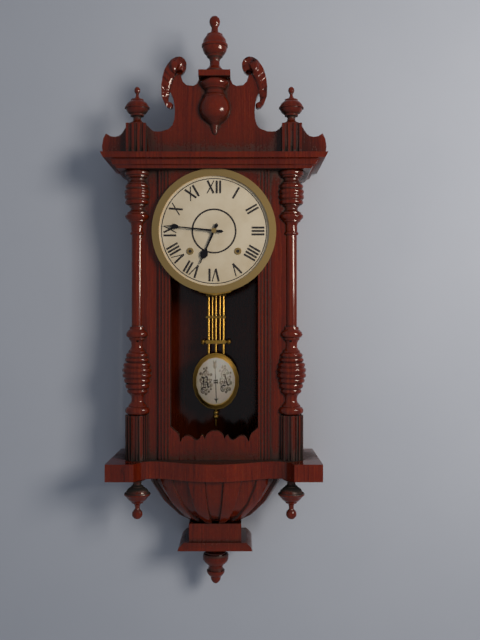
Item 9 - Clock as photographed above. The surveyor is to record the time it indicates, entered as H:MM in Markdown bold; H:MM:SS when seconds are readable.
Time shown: **6:46**
